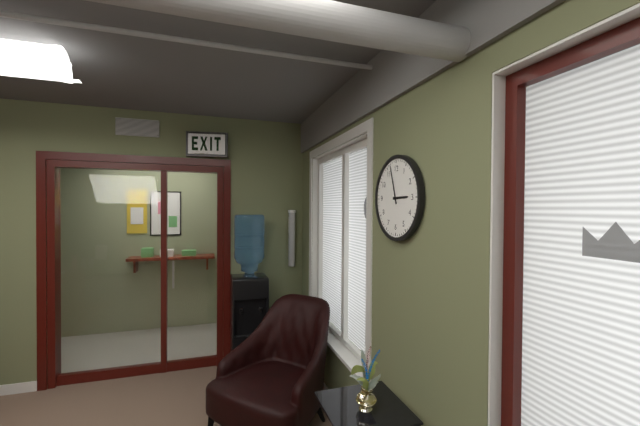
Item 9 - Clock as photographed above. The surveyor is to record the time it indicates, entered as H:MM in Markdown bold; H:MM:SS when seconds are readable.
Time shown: **2:57**
